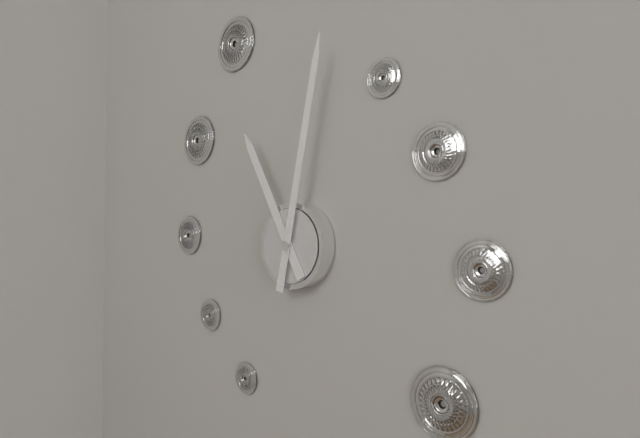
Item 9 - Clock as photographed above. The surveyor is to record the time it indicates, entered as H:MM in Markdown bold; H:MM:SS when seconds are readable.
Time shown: **11:02**
